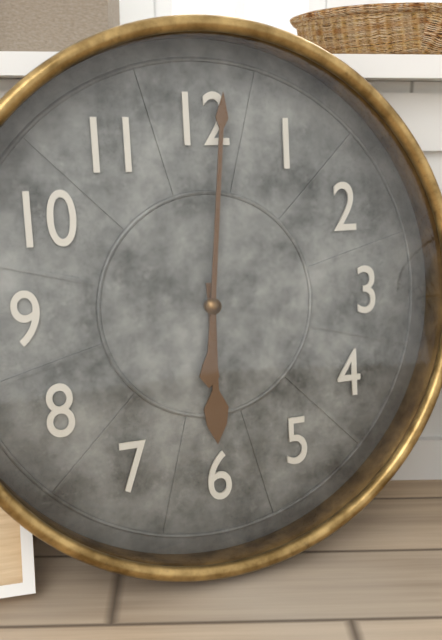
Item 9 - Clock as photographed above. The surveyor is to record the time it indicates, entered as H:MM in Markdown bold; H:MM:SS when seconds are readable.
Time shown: **6:01**
